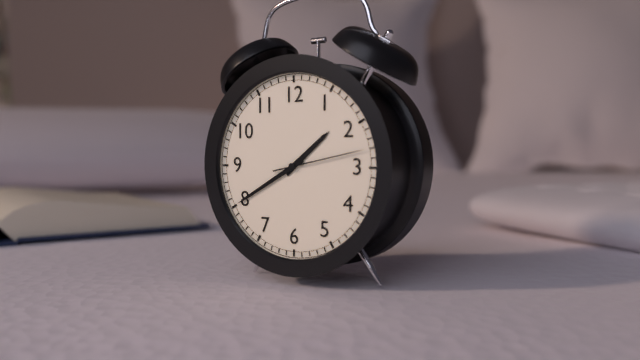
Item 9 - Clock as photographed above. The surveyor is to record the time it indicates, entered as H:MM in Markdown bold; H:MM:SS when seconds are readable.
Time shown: **1:40:13**
